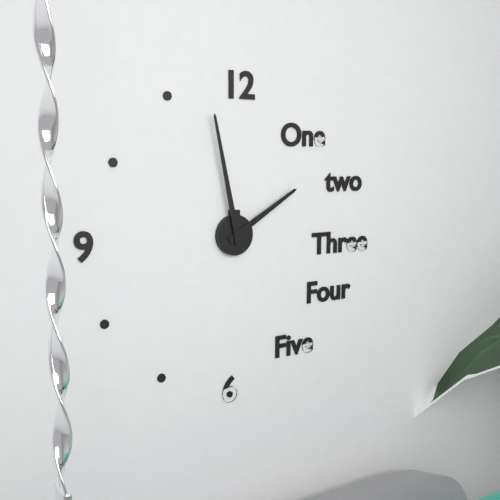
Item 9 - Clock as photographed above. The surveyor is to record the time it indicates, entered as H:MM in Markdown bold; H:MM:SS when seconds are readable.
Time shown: **1:58**
